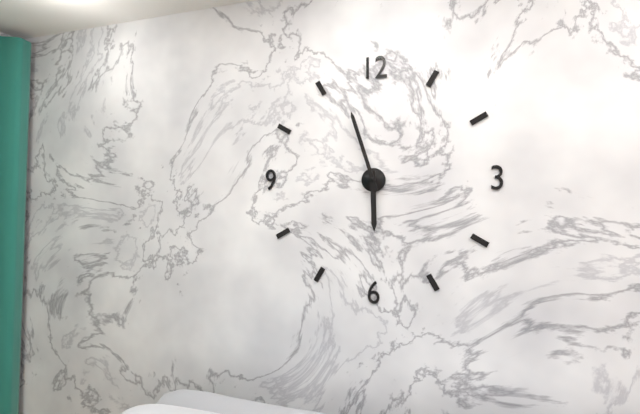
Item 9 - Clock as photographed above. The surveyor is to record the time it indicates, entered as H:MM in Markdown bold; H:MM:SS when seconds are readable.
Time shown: **5:57**
